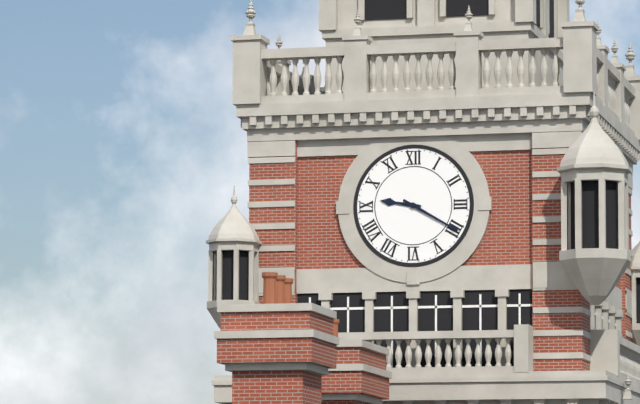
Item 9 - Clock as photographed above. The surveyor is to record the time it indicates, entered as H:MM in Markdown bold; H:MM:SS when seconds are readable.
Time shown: **9:20**
